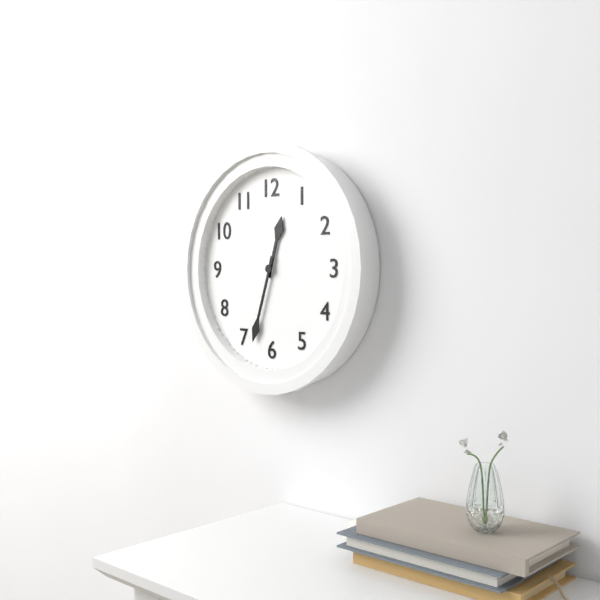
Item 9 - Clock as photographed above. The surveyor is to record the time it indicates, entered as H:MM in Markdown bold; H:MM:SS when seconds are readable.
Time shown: **12:33**
